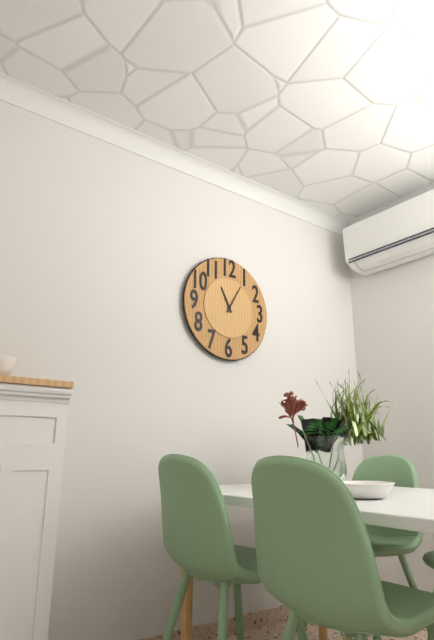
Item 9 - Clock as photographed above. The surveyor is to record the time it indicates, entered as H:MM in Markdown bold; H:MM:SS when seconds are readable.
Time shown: **11:05**
